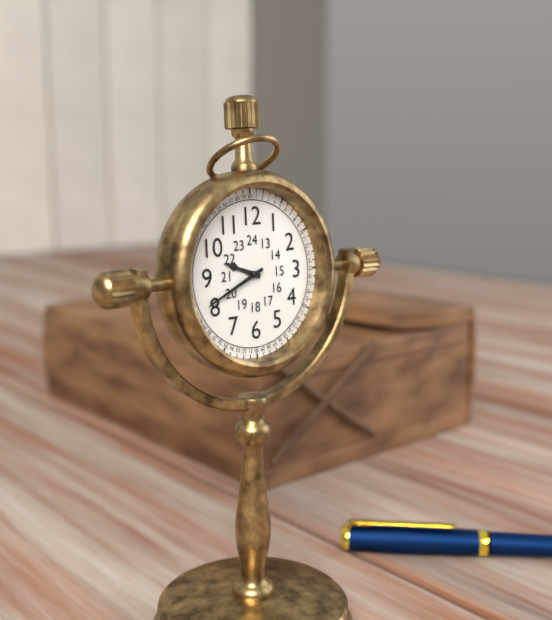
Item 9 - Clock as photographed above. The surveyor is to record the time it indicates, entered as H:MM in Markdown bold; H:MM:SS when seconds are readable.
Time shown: **9:41**
